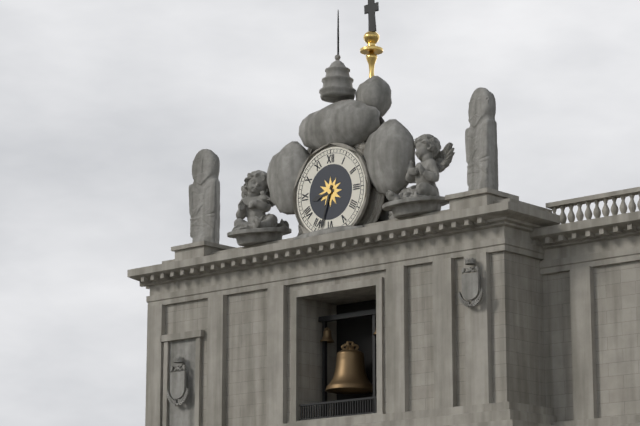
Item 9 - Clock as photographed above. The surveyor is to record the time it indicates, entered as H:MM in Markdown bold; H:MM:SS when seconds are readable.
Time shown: **8:33**
